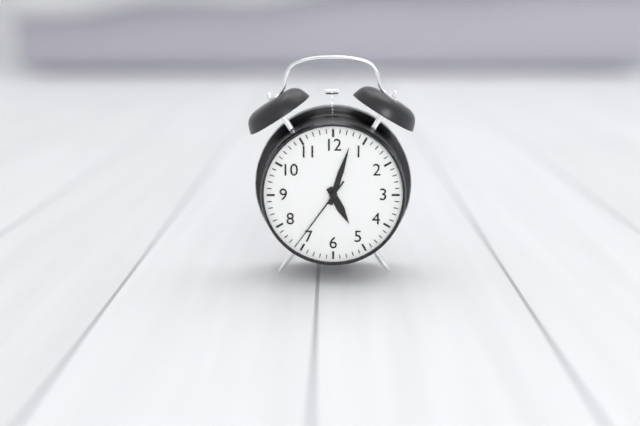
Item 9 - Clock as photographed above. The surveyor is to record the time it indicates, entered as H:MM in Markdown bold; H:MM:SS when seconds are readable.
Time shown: **5:03:36**
